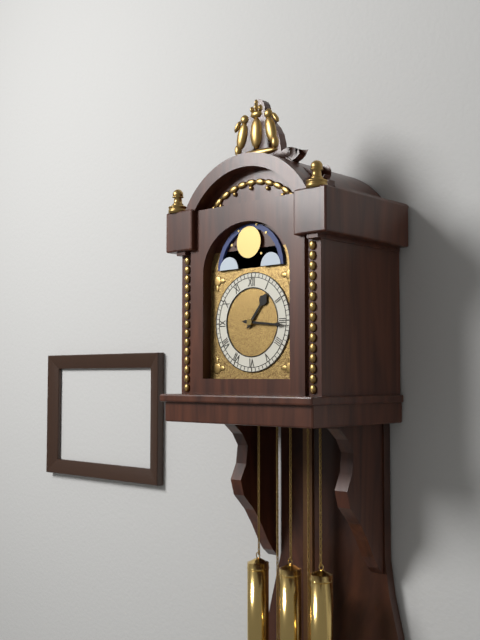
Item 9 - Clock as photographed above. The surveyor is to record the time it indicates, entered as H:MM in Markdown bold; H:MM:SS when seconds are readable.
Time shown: **1:16**
